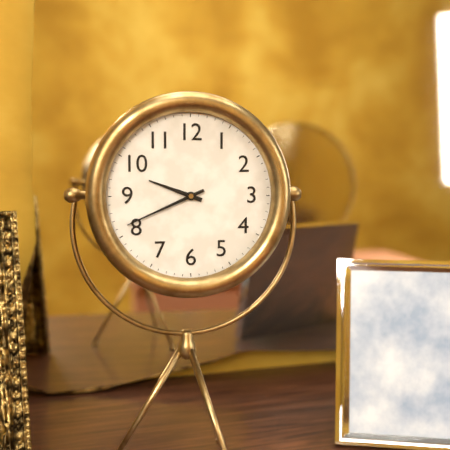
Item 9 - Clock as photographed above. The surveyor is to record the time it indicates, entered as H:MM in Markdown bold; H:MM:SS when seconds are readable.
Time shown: **9:41**
